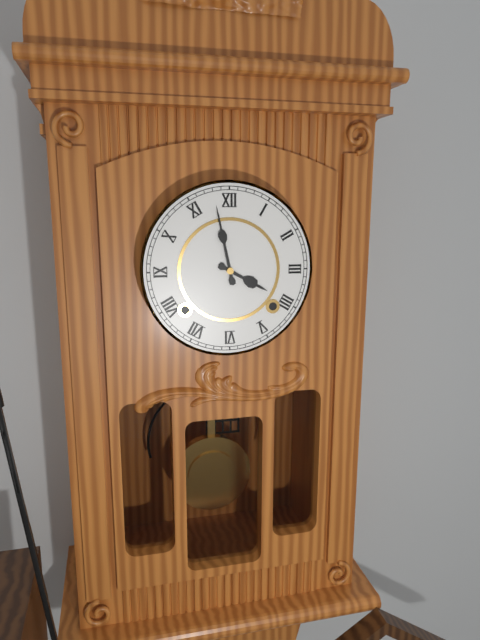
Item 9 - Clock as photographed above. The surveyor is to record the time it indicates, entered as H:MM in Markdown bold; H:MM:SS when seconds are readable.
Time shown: **3:58**
